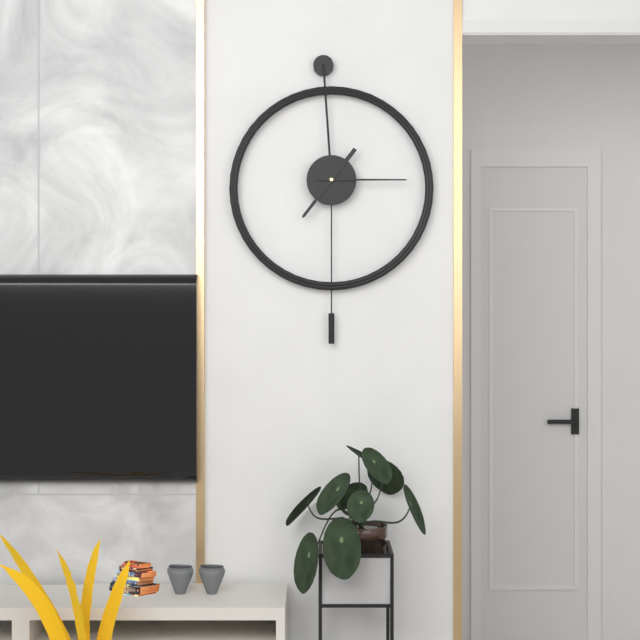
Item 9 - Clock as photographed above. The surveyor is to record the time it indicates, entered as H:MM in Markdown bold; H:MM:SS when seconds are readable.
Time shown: **7:15**
